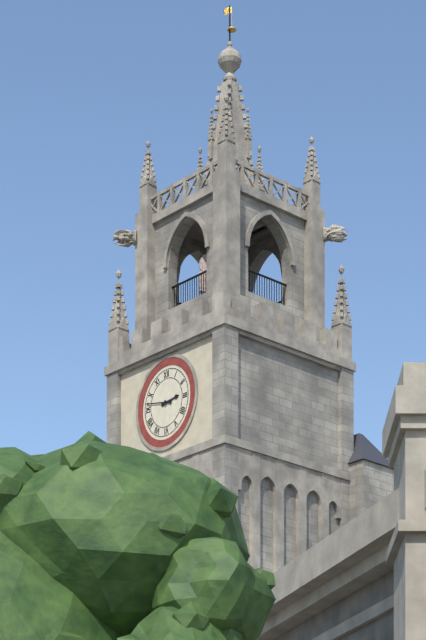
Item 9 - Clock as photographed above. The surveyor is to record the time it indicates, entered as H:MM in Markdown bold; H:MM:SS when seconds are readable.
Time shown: **2:47**
